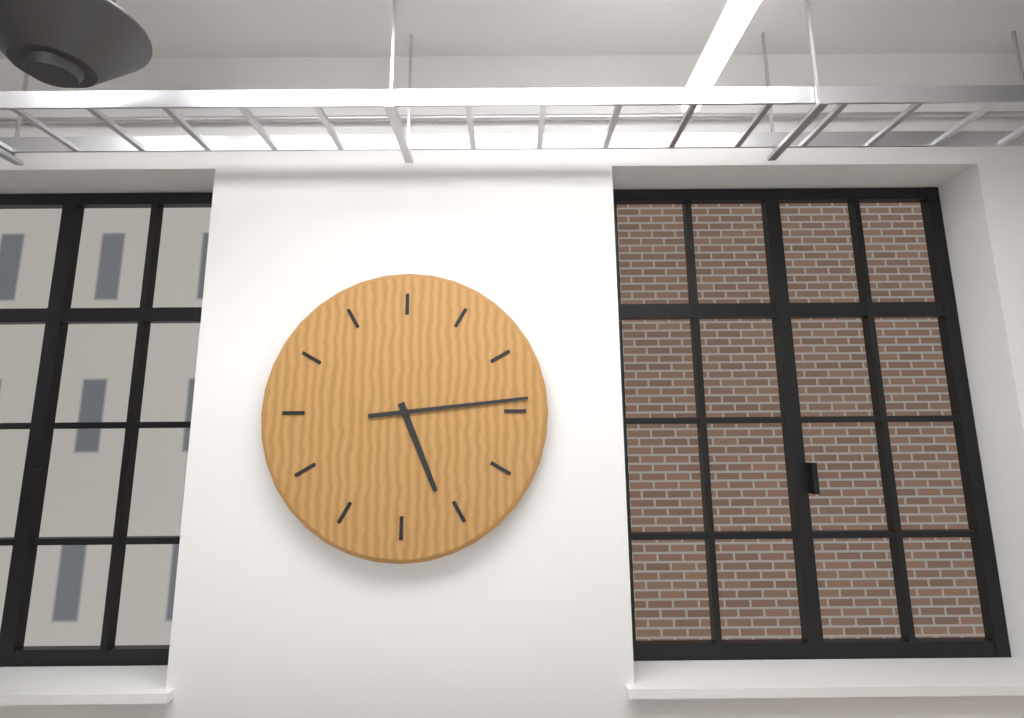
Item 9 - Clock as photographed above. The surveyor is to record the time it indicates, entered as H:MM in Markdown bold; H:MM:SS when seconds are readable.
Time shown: **5:14**
